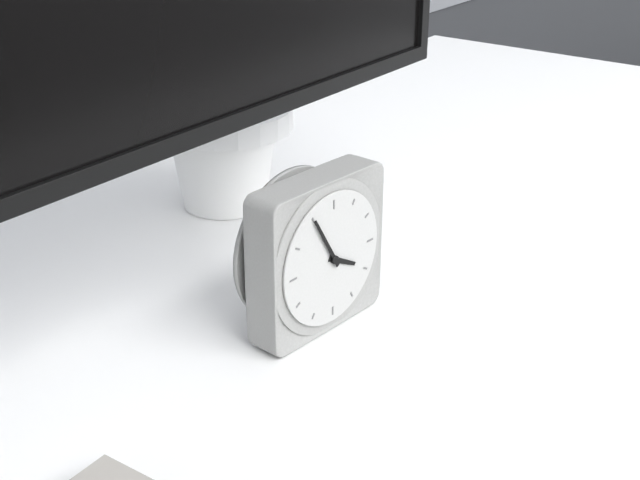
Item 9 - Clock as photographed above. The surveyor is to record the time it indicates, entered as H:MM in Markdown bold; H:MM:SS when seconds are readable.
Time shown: **3:55**
